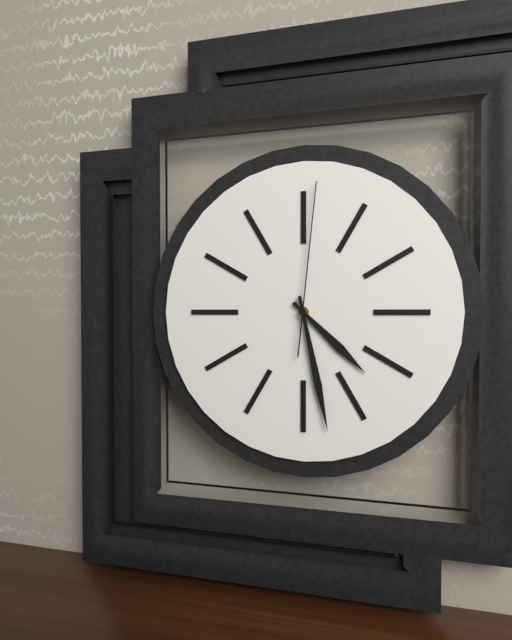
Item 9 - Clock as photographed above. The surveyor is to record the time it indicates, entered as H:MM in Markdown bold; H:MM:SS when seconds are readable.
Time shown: **4:28:01**
